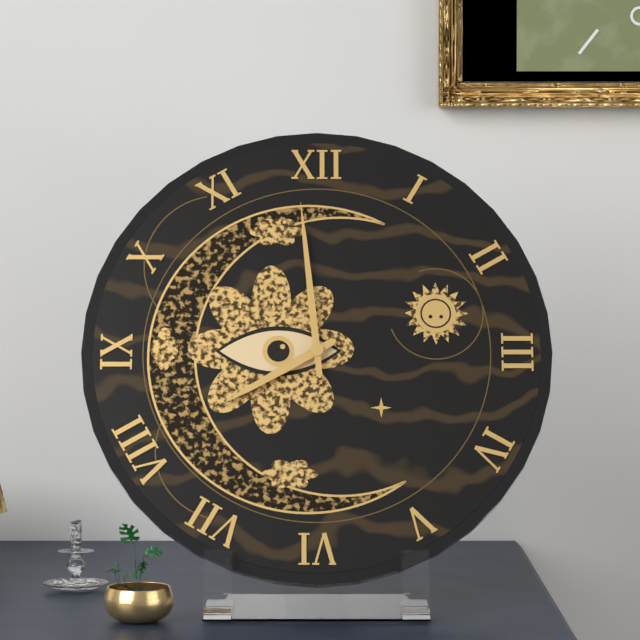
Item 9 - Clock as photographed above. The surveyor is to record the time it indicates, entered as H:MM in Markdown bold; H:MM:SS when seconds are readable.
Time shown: **7:59**
